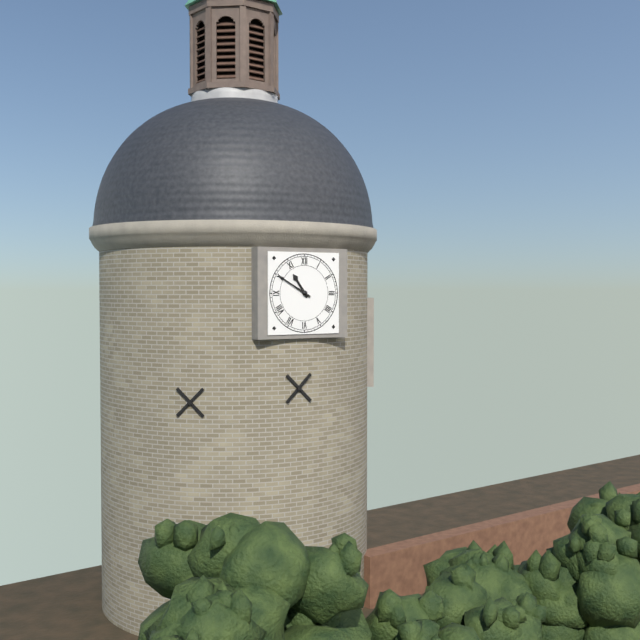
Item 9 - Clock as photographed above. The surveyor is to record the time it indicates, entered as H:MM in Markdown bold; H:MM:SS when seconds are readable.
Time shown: **10:50**
